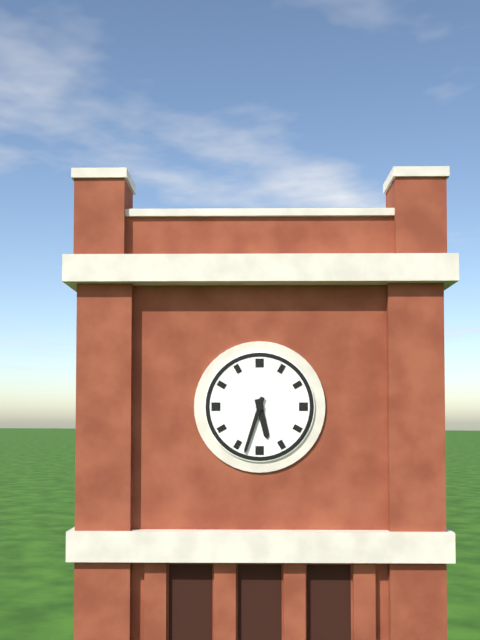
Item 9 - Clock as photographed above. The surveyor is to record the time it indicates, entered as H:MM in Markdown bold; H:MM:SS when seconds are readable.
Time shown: **5:33**
